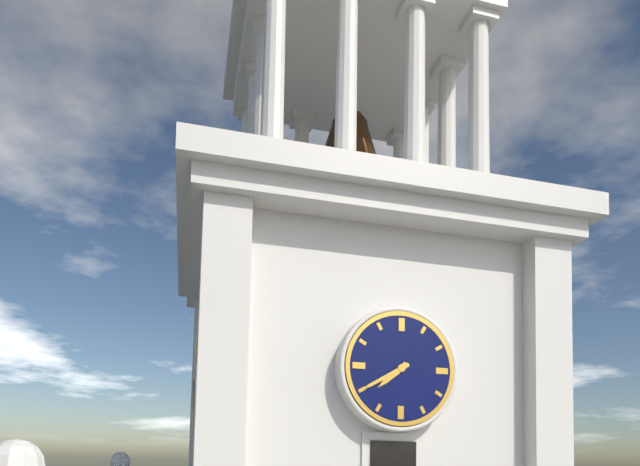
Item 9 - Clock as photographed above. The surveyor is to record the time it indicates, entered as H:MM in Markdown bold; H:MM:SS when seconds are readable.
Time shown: **7:40**
